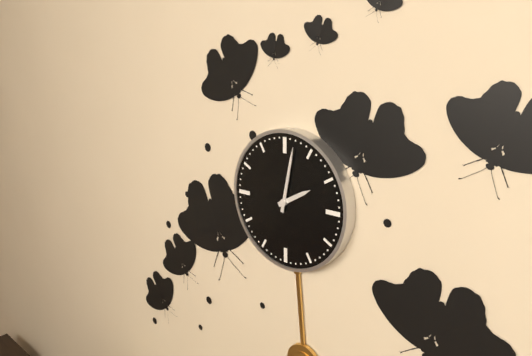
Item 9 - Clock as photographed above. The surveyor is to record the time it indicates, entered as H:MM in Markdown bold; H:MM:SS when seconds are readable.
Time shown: **2:02**
